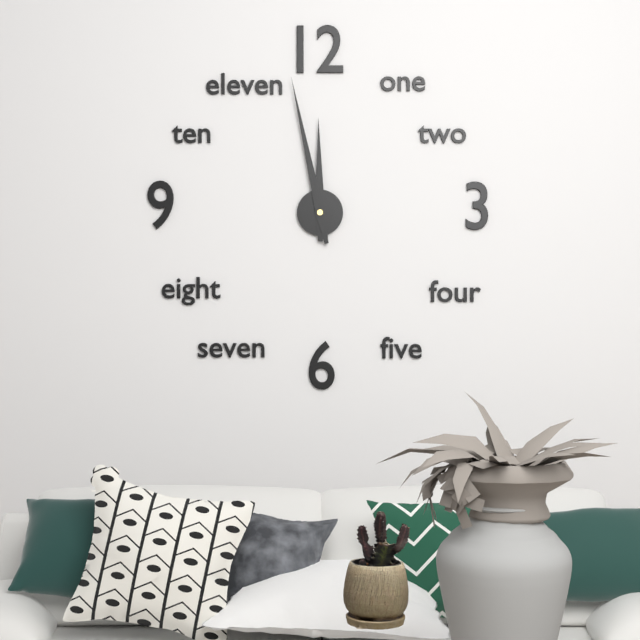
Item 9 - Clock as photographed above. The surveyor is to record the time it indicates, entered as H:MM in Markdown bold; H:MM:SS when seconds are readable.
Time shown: **11:58**
